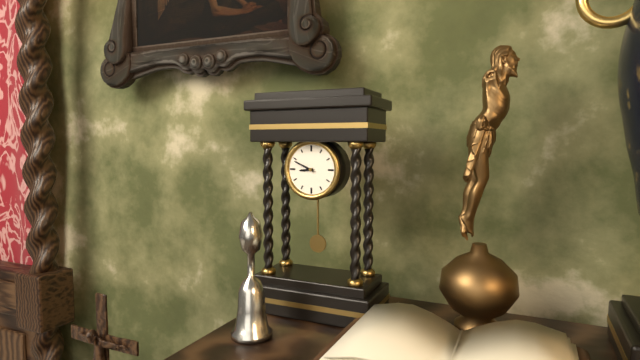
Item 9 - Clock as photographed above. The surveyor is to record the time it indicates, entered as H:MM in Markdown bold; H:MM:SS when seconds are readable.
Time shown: **8:49**
